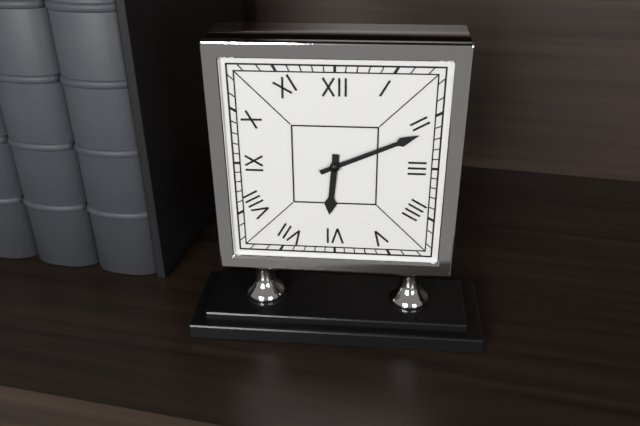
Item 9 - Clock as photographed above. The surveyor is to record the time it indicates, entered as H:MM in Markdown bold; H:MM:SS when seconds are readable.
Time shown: **6:11**
